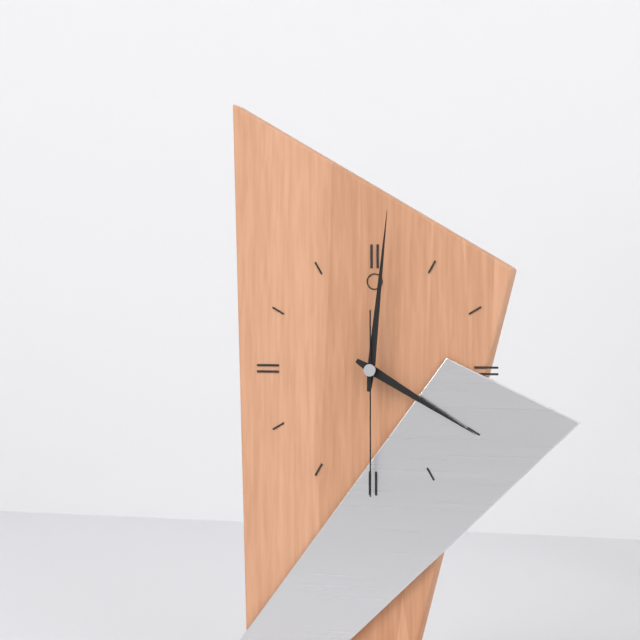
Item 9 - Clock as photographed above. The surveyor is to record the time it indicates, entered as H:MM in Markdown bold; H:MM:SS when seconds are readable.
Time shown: **4:01:30**
